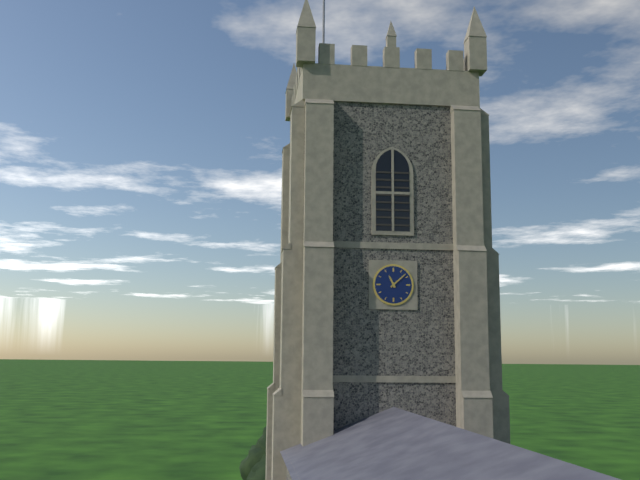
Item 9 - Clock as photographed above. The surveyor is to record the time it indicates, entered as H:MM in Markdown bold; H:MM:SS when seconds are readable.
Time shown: **11:08**
